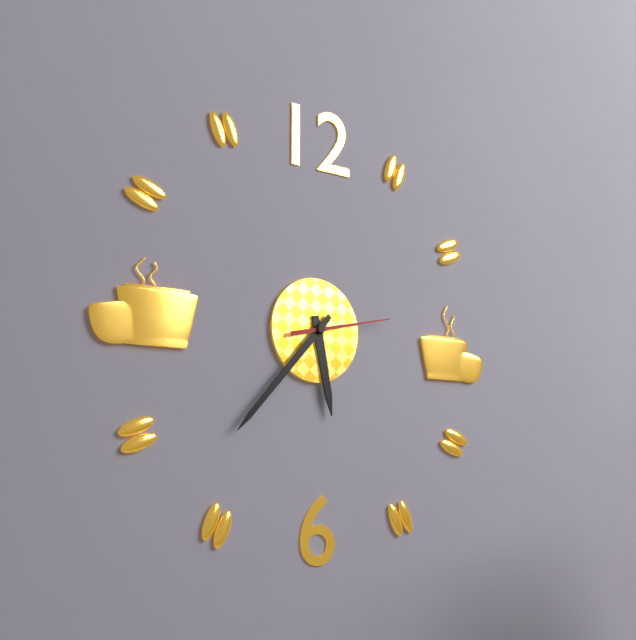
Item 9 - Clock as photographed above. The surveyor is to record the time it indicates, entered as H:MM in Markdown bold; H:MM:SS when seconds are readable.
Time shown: **5:37:13**
